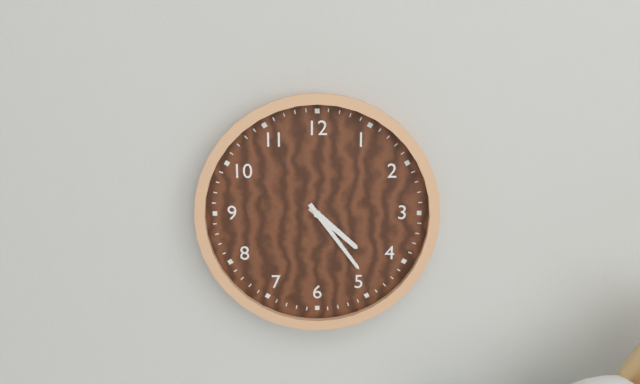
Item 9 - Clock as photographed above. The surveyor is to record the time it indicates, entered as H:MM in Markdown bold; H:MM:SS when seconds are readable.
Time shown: **4:24**
